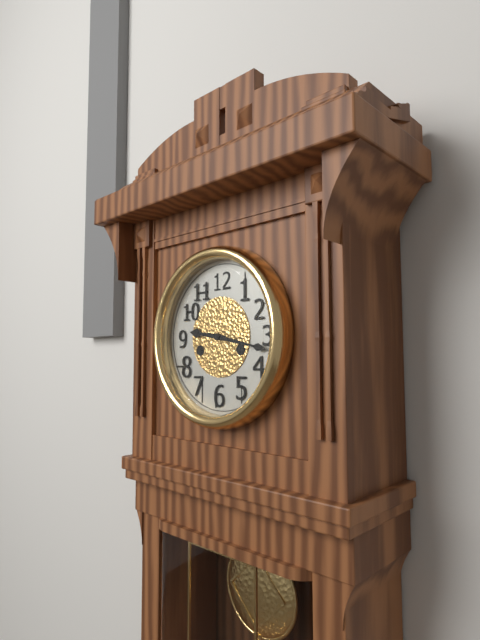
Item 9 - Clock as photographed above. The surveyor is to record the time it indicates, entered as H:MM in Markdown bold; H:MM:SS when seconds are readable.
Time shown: **9:17**
